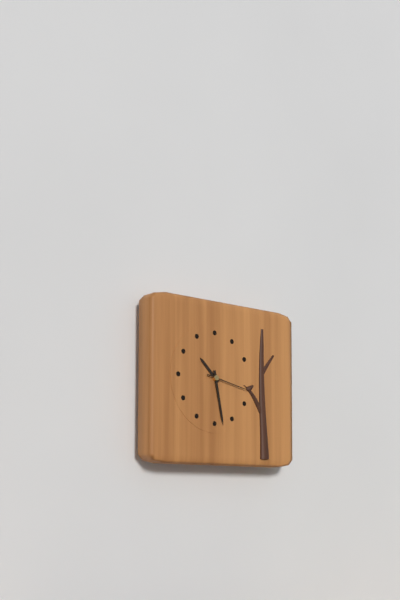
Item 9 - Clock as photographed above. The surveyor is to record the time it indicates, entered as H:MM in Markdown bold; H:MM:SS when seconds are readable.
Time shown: **10:28**
